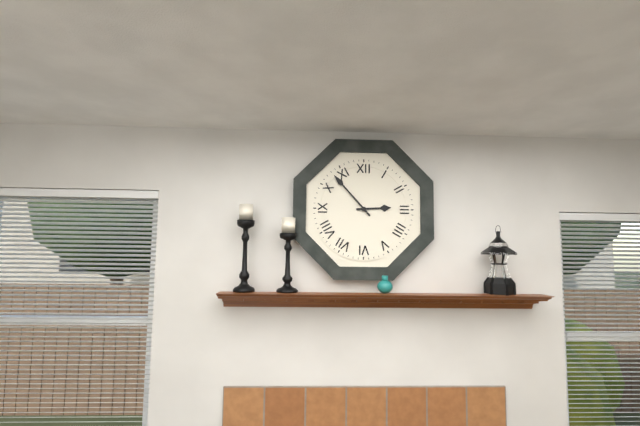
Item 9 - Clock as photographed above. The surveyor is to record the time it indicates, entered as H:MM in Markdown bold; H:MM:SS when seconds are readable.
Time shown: **2:53**
